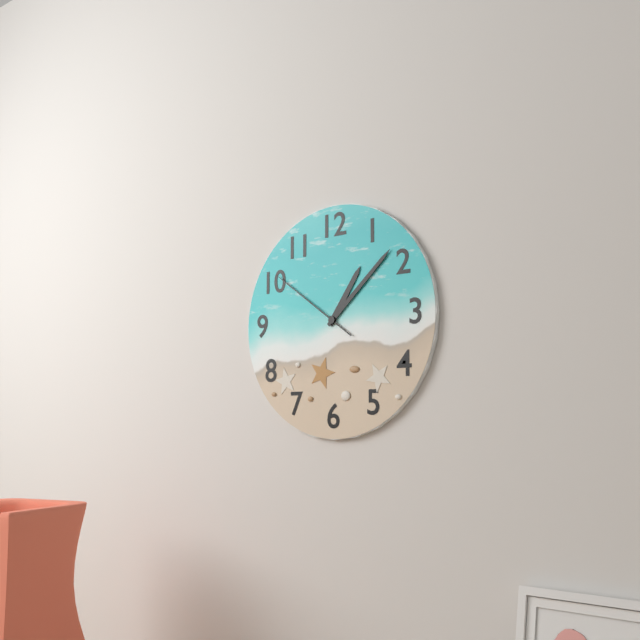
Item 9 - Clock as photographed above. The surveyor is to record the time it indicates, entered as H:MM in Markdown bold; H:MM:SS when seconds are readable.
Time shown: **1:08:51**
